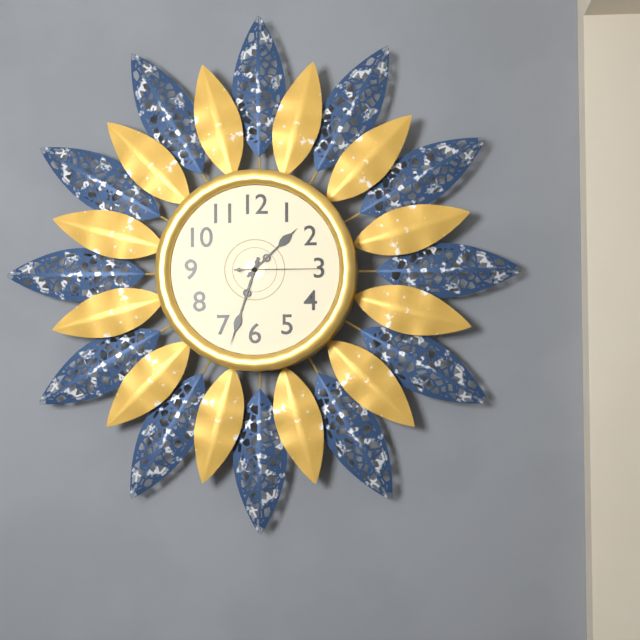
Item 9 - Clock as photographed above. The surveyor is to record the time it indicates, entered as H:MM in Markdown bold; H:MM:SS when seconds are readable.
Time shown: **1:33:15**
